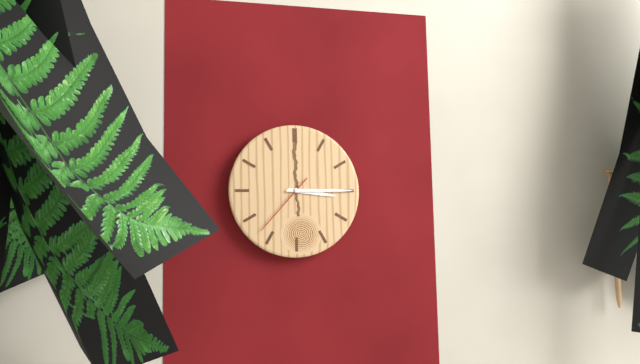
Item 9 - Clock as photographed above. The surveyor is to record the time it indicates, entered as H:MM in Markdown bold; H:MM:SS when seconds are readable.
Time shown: **3:15:37**
